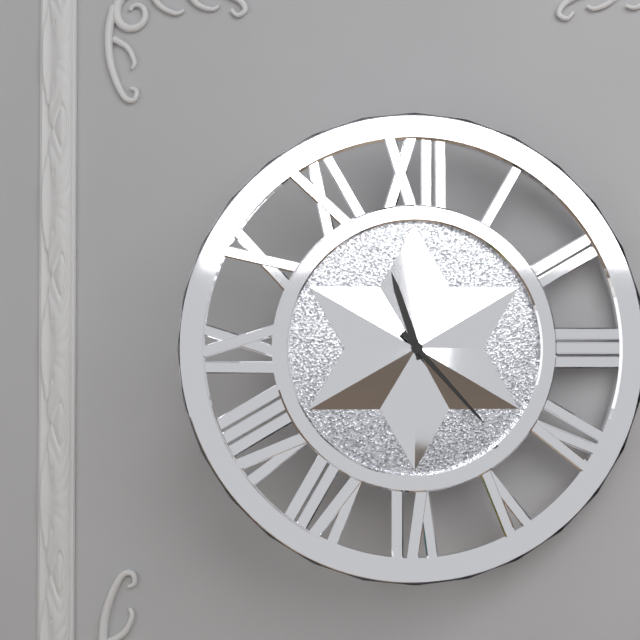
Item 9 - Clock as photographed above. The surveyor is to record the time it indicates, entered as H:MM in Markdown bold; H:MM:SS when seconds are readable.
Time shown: **11:23**
